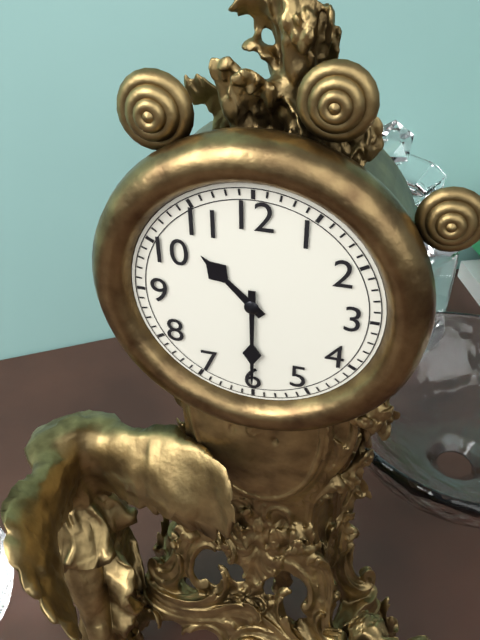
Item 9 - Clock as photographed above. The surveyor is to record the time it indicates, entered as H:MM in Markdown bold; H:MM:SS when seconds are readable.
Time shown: **10:30**
